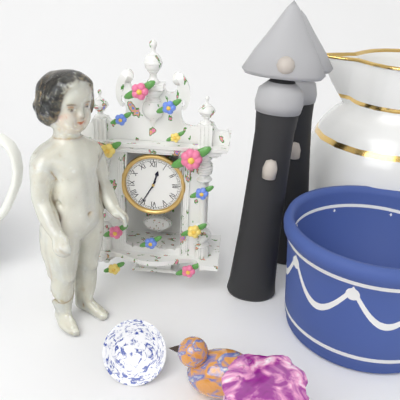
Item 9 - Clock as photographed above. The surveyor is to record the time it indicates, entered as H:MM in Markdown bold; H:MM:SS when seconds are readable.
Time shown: **12:35**
